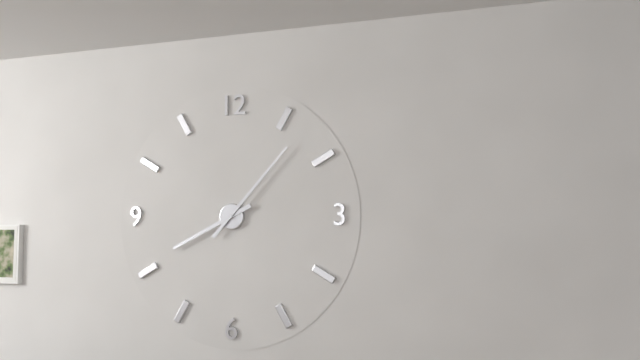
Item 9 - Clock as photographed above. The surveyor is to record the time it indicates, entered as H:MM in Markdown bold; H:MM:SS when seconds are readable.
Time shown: **8:07**
